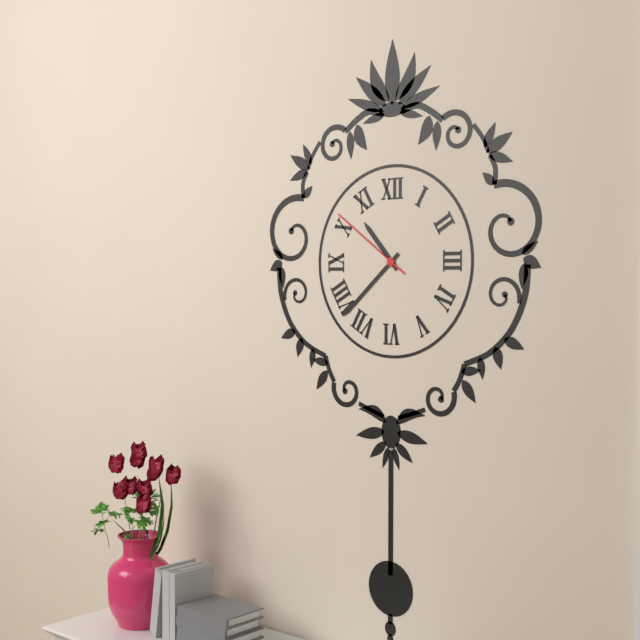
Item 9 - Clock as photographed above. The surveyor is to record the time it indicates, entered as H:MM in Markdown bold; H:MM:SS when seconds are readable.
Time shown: **10:38:51**
